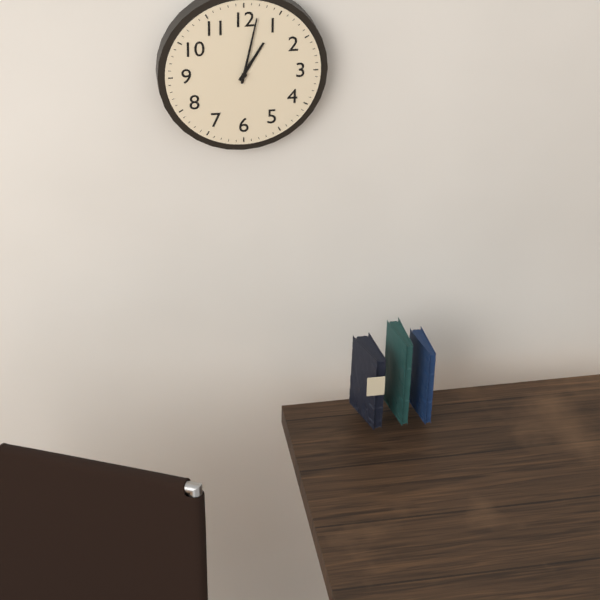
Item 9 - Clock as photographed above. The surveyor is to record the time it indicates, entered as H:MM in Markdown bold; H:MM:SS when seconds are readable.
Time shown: **1:02**
